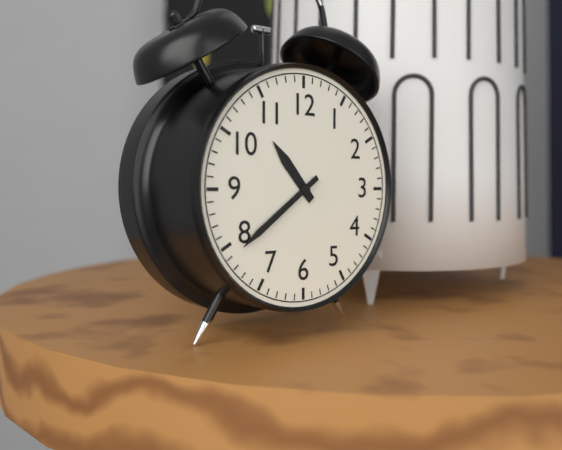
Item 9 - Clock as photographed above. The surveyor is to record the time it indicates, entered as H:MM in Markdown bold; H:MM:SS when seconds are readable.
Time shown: **10:39**
